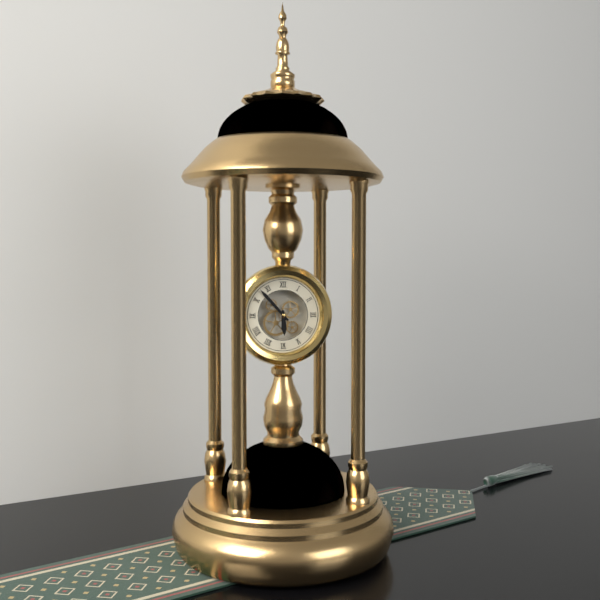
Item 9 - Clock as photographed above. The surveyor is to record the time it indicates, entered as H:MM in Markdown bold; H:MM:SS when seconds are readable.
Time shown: **5:53**
